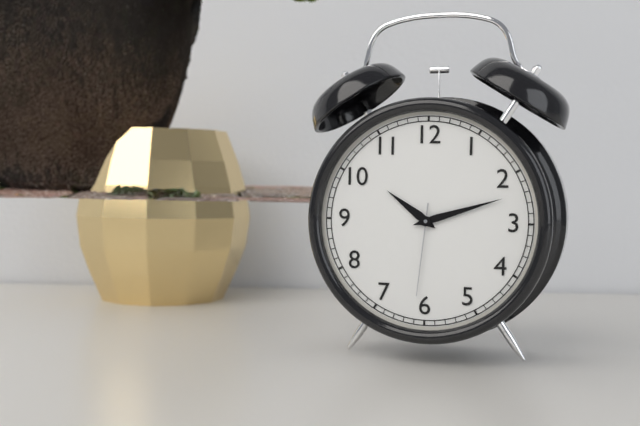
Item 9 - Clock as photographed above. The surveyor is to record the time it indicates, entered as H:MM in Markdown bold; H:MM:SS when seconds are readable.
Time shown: **10:12:31**
